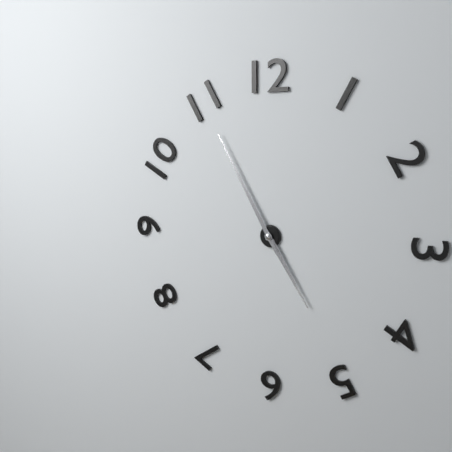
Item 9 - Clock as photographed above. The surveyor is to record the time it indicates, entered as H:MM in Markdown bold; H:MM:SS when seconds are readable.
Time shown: **4:55**
